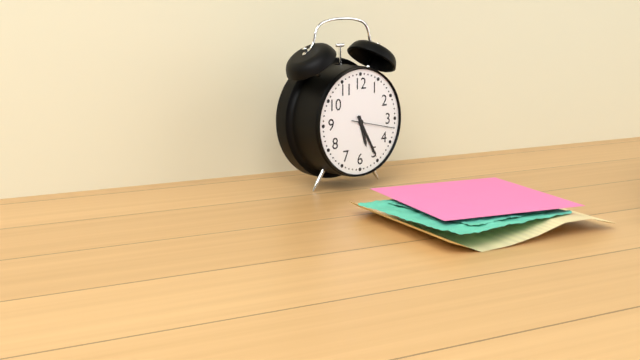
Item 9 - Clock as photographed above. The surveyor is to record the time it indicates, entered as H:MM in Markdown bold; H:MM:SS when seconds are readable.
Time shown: **5:25:17**
